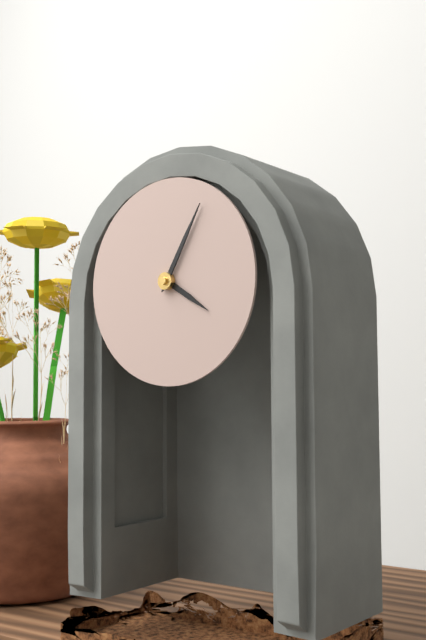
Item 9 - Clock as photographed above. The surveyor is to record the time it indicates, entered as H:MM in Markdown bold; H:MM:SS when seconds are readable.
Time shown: **4:05**
